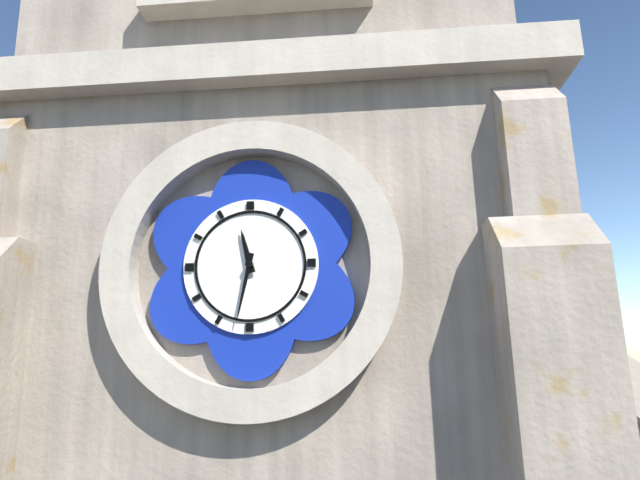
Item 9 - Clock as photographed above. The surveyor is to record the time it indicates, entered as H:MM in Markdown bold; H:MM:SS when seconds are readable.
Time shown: **11:32**
